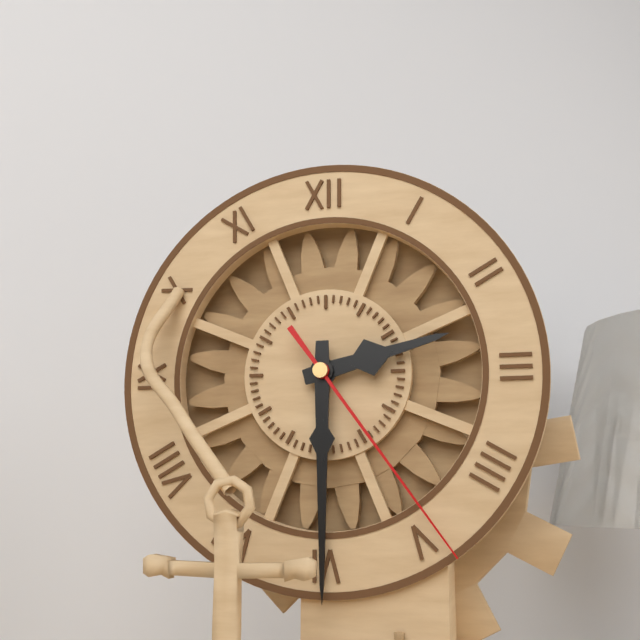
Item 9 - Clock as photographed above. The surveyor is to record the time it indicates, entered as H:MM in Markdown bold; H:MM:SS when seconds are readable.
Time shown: **2:30:24**
